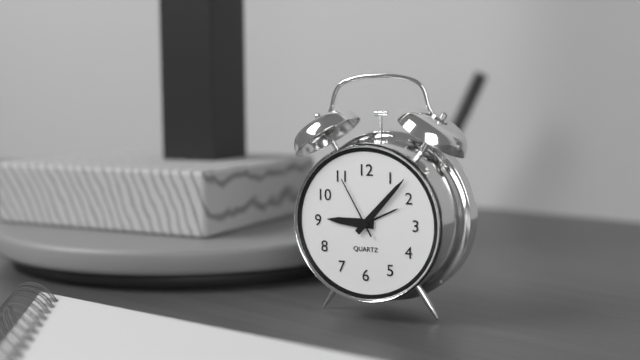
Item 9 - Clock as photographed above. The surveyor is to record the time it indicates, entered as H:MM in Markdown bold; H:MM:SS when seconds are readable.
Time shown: **9:07:55**
